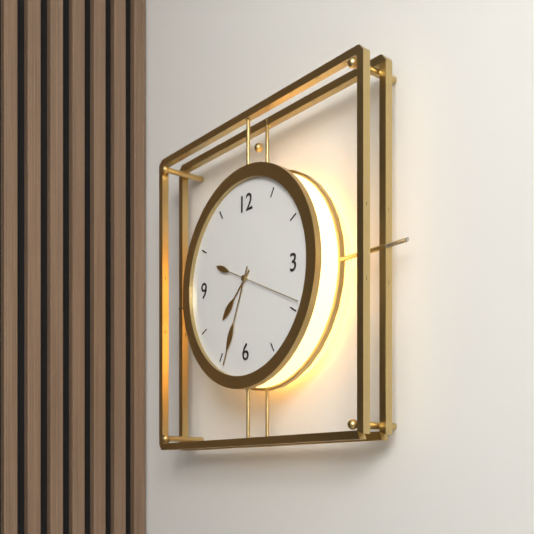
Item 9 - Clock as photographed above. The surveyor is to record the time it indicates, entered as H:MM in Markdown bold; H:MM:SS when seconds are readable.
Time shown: **7:34:19**
